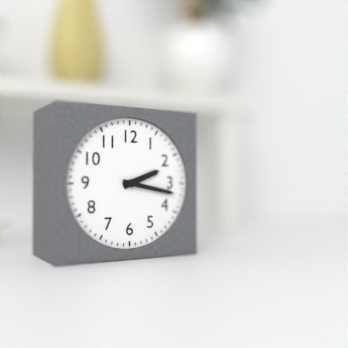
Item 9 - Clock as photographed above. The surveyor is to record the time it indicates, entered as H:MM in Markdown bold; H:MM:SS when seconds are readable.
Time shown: **2:17**
